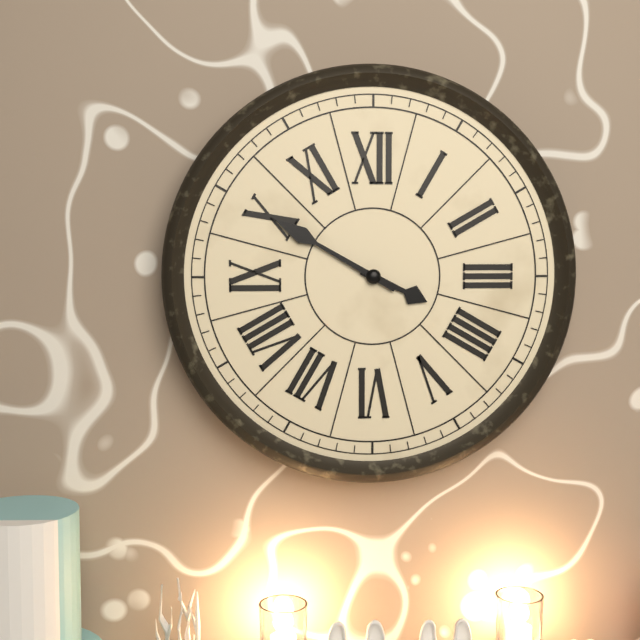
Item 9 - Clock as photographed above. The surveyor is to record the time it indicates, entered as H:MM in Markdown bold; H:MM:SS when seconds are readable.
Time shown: **3:50**
